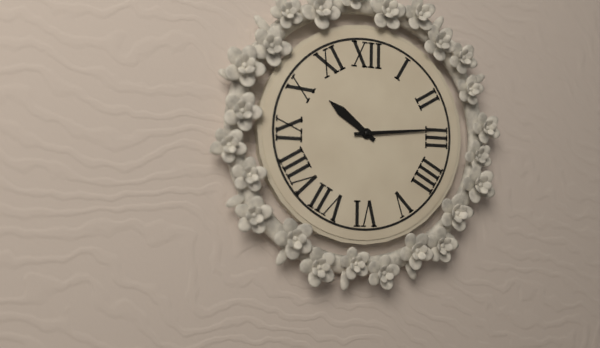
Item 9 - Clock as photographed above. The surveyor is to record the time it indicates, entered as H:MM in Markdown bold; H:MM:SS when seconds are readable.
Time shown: **10:14**
